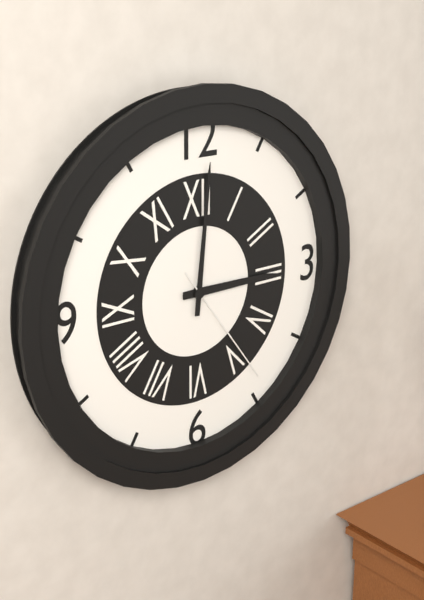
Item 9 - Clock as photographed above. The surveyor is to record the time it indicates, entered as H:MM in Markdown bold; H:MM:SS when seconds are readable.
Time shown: **3:01:24**
